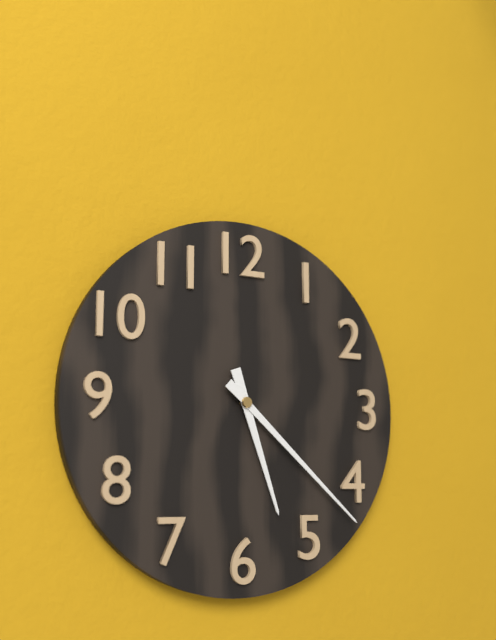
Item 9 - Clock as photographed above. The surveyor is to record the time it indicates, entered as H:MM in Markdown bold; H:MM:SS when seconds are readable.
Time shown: **5:22**
